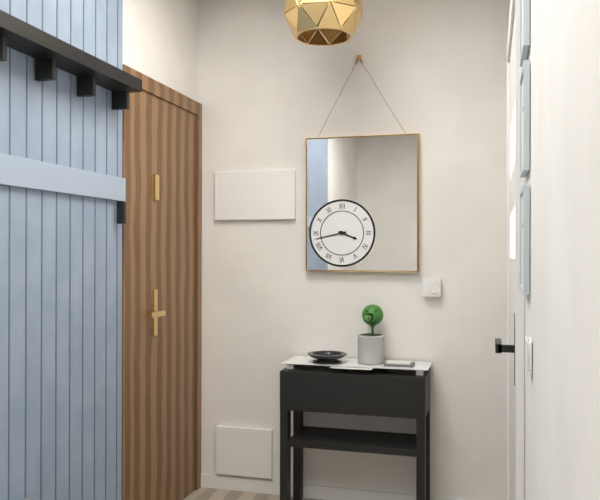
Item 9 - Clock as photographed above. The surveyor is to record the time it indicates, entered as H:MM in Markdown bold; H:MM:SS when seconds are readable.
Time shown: **3:43**
